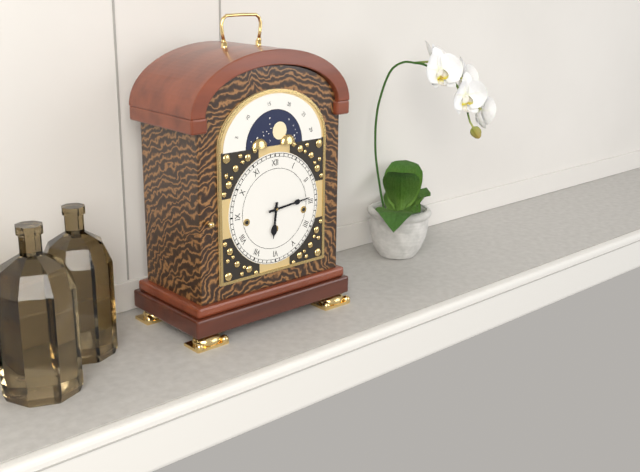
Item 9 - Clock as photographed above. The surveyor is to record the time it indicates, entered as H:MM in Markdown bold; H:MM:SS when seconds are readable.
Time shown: **6:14**
